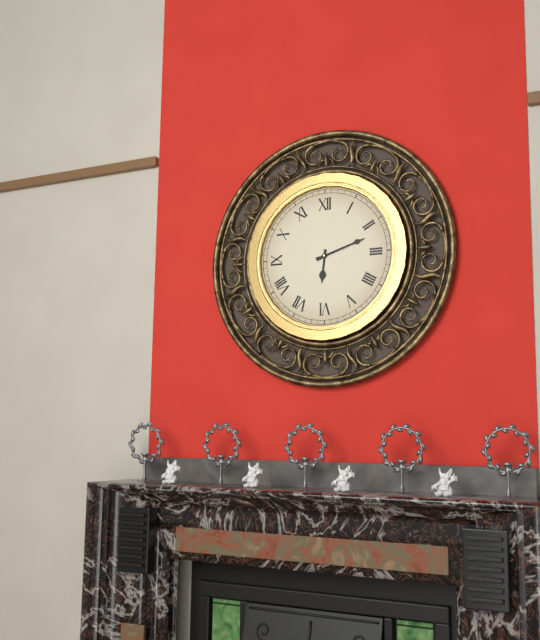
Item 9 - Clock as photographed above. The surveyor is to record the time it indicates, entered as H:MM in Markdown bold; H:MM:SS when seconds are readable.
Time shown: **6:12**
